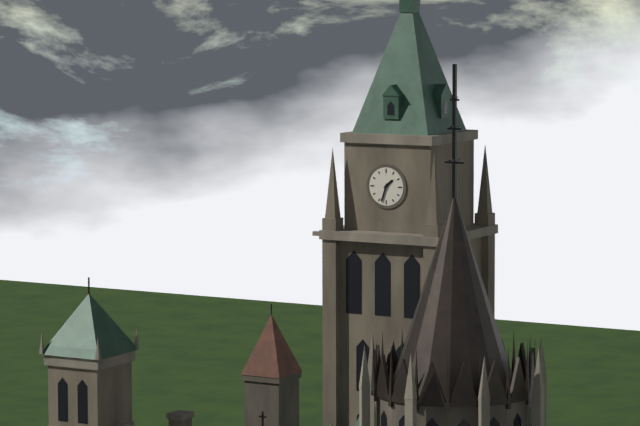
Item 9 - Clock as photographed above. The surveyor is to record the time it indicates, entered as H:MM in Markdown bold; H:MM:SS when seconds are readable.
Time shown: **1:33**
